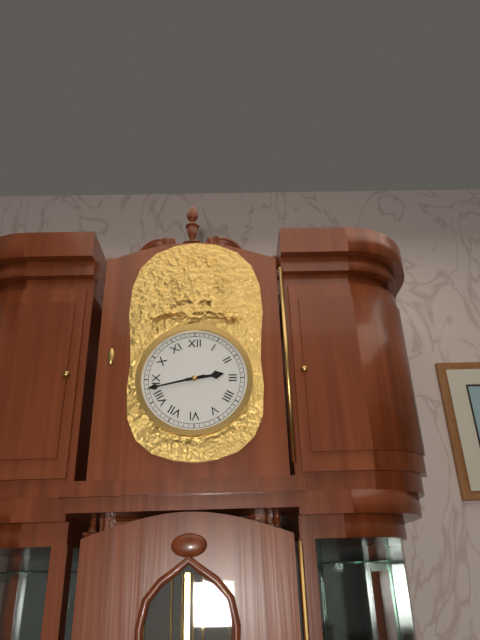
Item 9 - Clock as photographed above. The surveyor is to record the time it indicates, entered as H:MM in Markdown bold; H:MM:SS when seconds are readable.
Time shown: **2:43**
